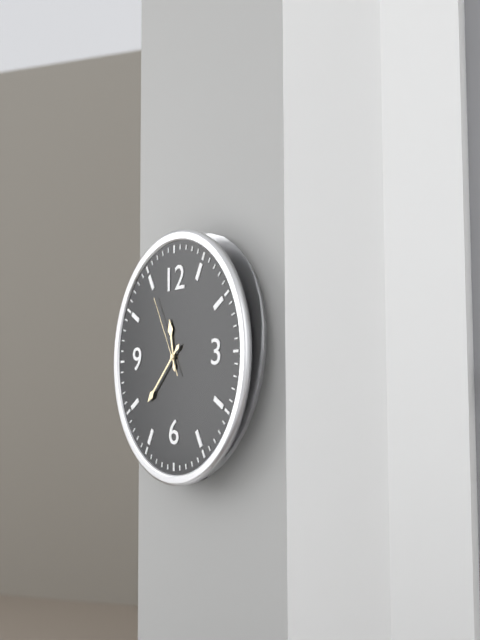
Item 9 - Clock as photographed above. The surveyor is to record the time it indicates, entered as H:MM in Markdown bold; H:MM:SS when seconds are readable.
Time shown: **11:38:55**
